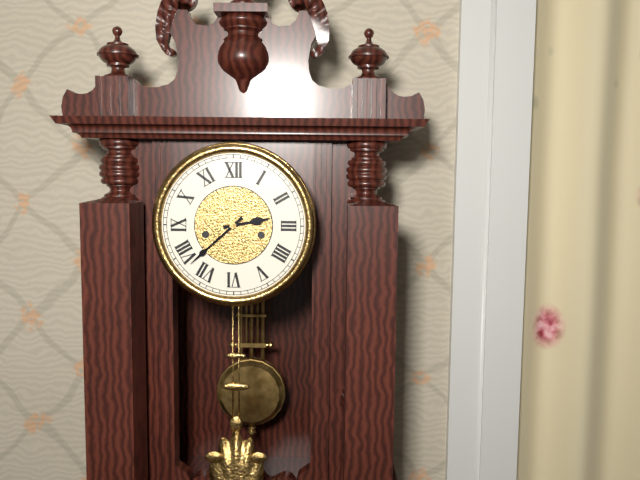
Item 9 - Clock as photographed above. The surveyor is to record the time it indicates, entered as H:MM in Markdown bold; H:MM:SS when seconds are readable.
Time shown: **2:38**
